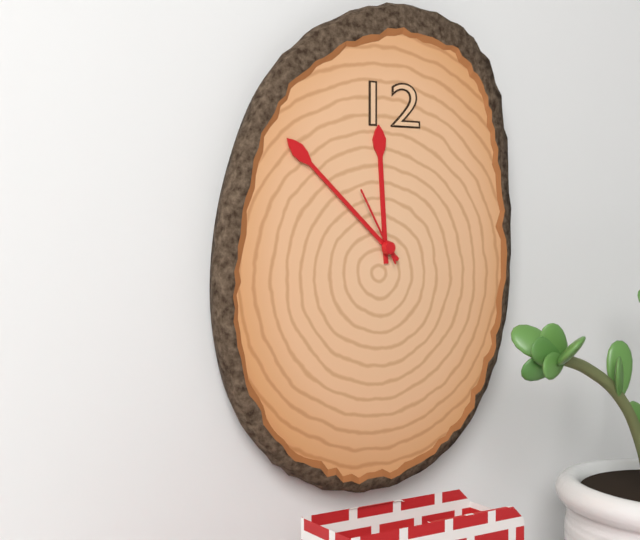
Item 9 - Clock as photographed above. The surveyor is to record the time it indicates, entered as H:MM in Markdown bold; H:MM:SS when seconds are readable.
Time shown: **11:52:55**
